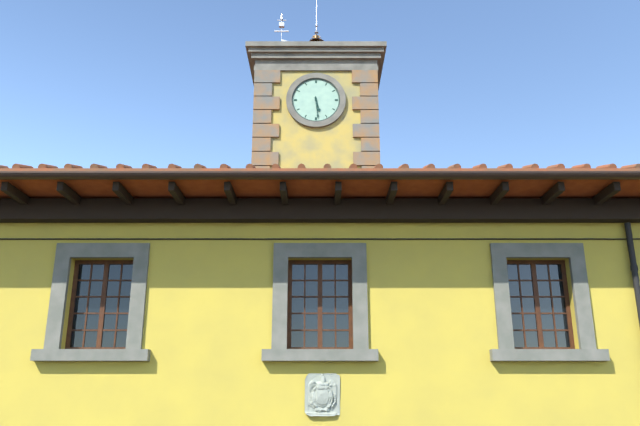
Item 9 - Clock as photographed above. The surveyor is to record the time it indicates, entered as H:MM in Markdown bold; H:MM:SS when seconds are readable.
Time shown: **5:29**
